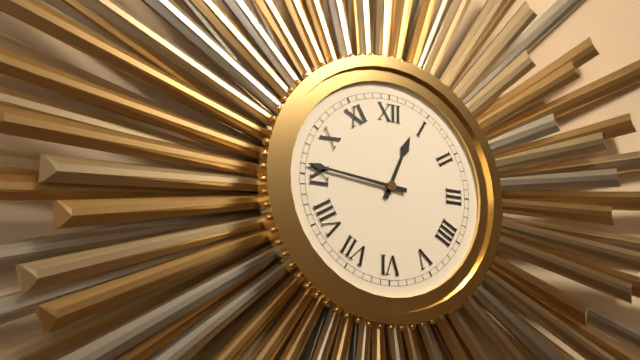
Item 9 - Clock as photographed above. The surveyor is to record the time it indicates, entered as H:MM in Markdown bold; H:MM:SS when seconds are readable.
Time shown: **12:46**
